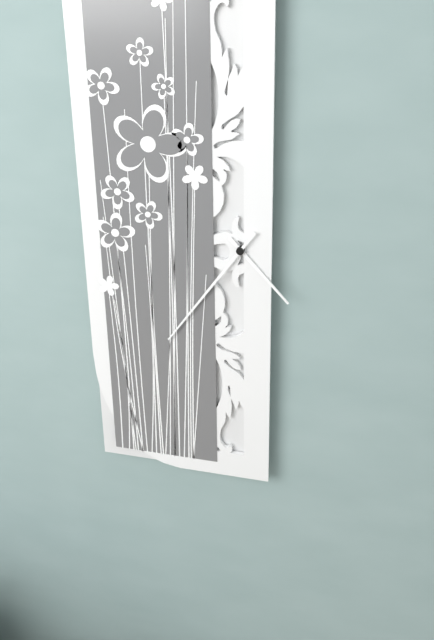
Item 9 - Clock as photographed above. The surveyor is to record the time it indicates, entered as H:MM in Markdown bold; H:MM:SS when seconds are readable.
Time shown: **4:36**
